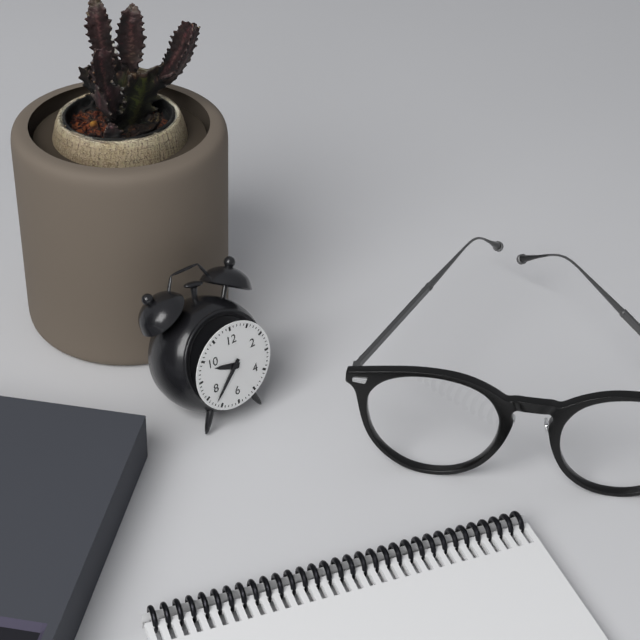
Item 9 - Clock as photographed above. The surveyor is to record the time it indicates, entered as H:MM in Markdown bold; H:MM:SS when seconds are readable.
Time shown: **9:37**
